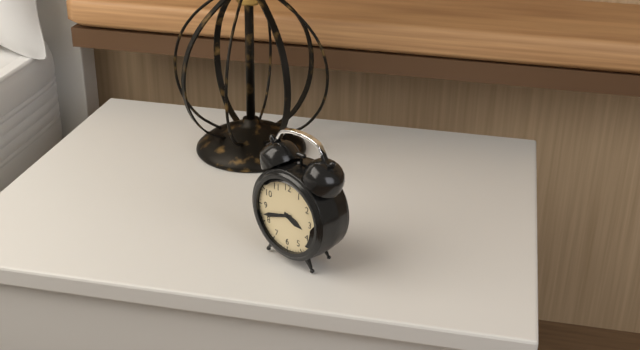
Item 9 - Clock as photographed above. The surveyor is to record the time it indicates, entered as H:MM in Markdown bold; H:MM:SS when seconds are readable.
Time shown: **3:42**
